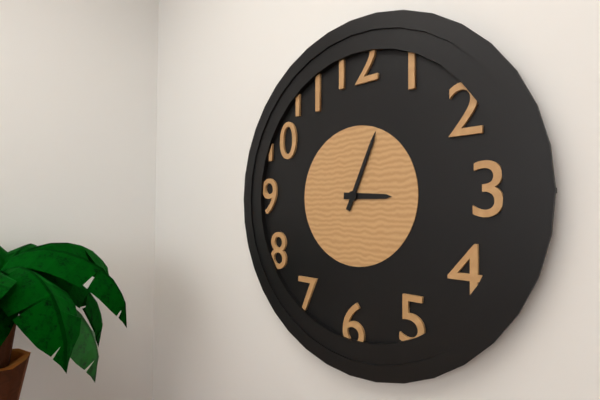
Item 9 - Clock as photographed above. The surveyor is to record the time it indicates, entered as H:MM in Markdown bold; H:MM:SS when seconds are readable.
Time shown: **3:04**
